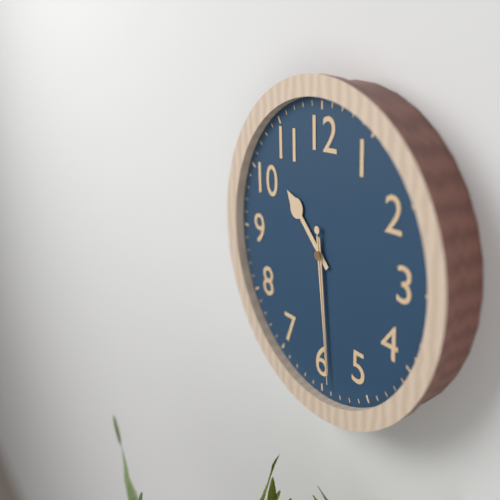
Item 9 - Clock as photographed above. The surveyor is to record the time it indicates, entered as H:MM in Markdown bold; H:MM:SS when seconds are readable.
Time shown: **10:29:29**
